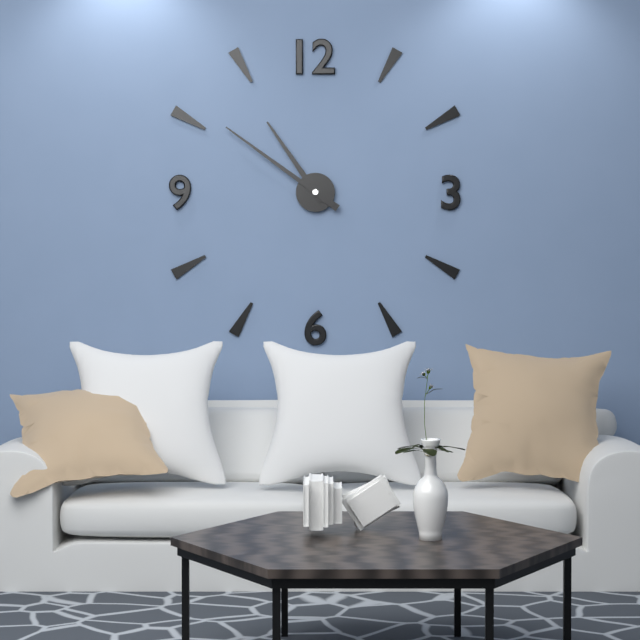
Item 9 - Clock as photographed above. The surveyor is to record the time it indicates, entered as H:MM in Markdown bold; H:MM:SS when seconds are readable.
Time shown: **10:51**
